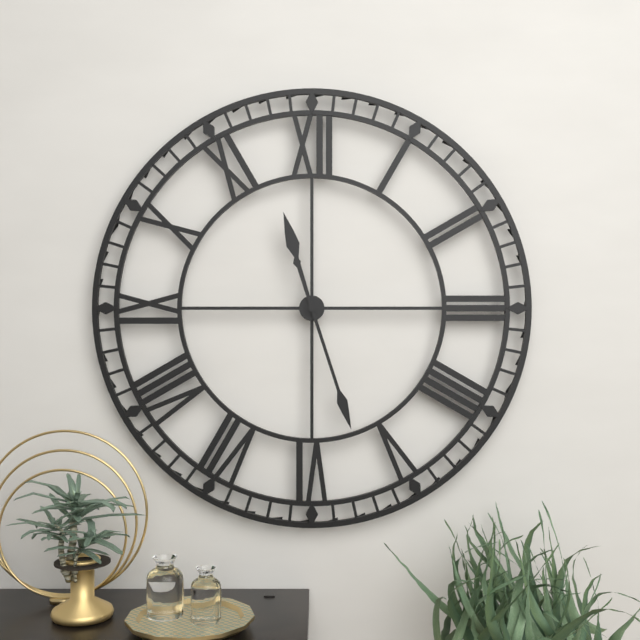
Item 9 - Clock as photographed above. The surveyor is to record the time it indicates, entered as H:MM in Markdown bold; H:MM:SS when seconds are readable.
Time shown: **11:27**
